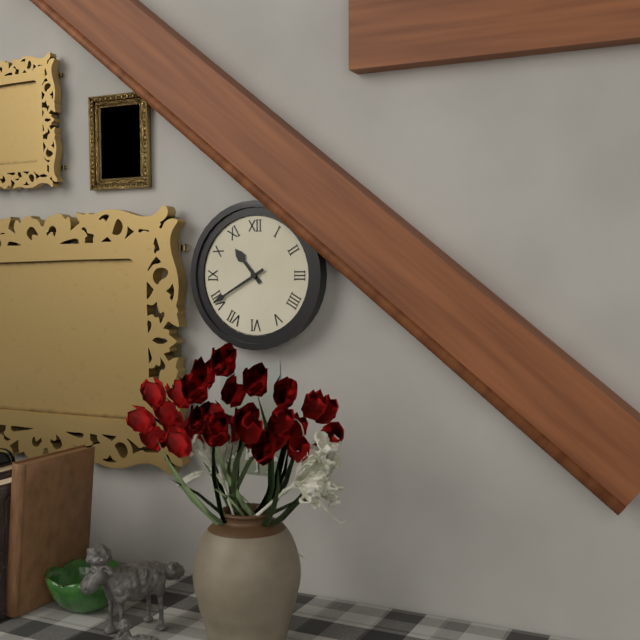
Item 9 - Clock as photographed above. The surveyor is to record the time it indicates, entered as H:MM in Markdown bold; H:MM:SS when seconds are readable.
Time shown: **10:40**
